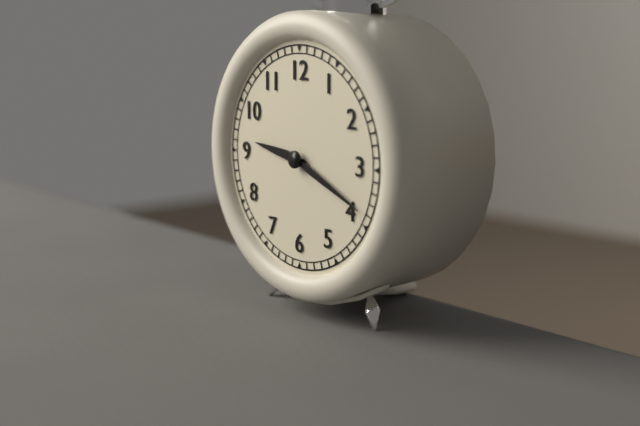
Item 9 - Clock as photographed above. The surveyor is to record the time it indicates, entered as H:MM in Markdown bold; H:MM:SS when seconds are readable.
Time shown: **9:19**
